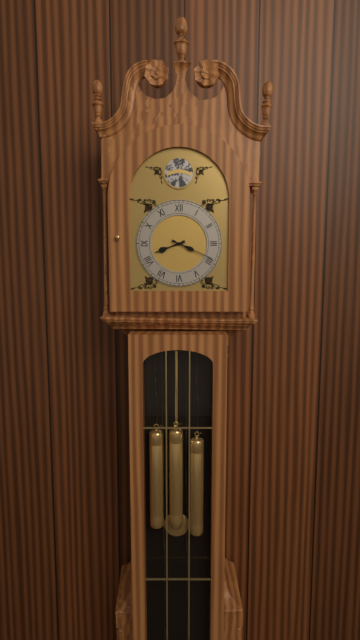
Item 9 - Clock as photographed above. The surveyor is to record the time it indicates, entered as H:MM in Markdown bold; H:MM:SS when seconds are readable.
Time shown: **8:19**
